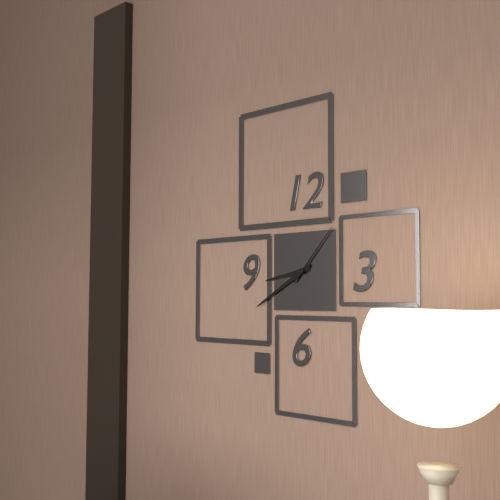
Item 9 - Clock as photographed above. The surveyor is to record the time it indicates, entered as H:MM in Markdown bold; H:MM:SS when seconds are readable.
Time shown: **8:40:07**
